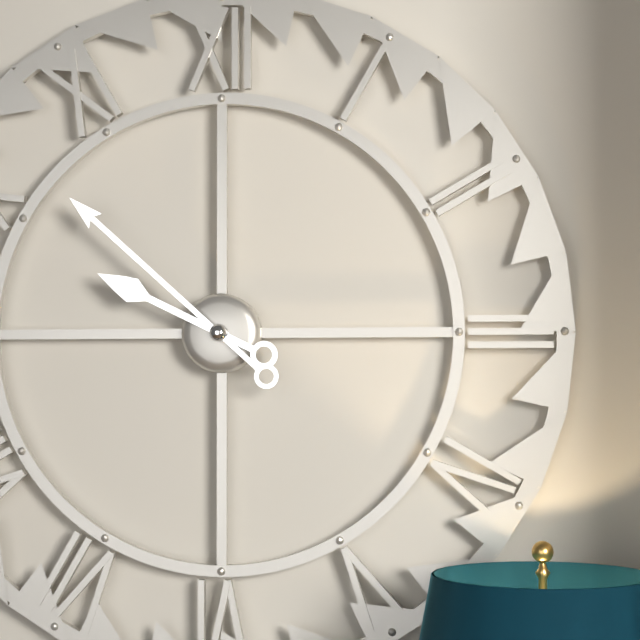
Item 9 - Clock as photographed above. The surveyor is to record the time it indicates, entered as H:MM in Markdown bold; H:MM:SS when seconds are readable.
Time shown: **9:52**
